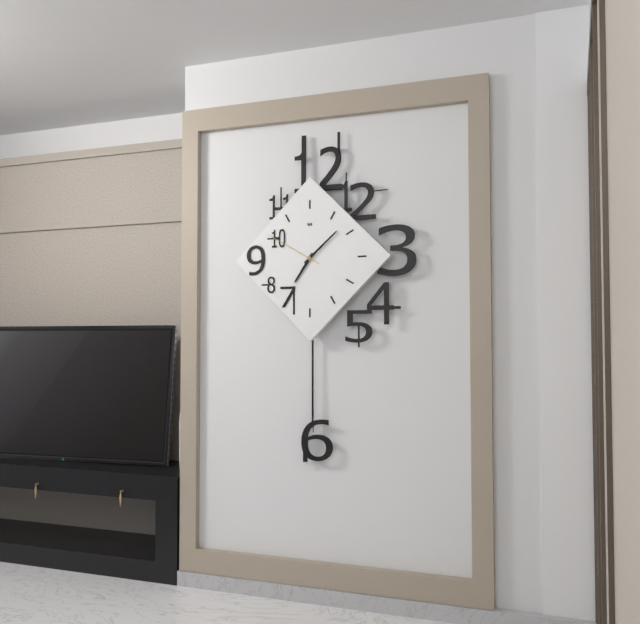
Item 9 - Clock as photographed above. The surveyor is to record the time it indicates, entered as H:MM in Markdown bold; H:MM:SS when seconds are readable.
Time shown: **7:08:50**
